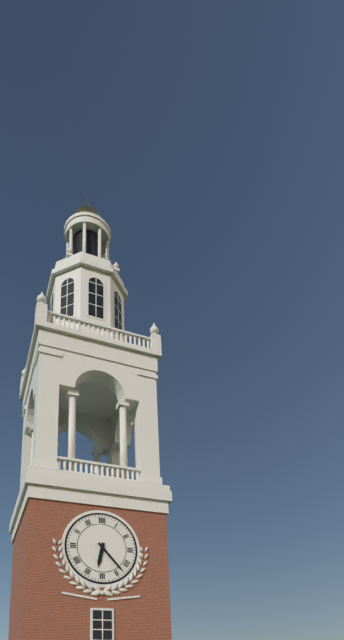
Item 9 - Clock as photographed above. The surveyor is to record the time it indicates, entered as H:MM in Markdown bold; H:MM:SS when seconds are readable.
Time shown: **6:23**
